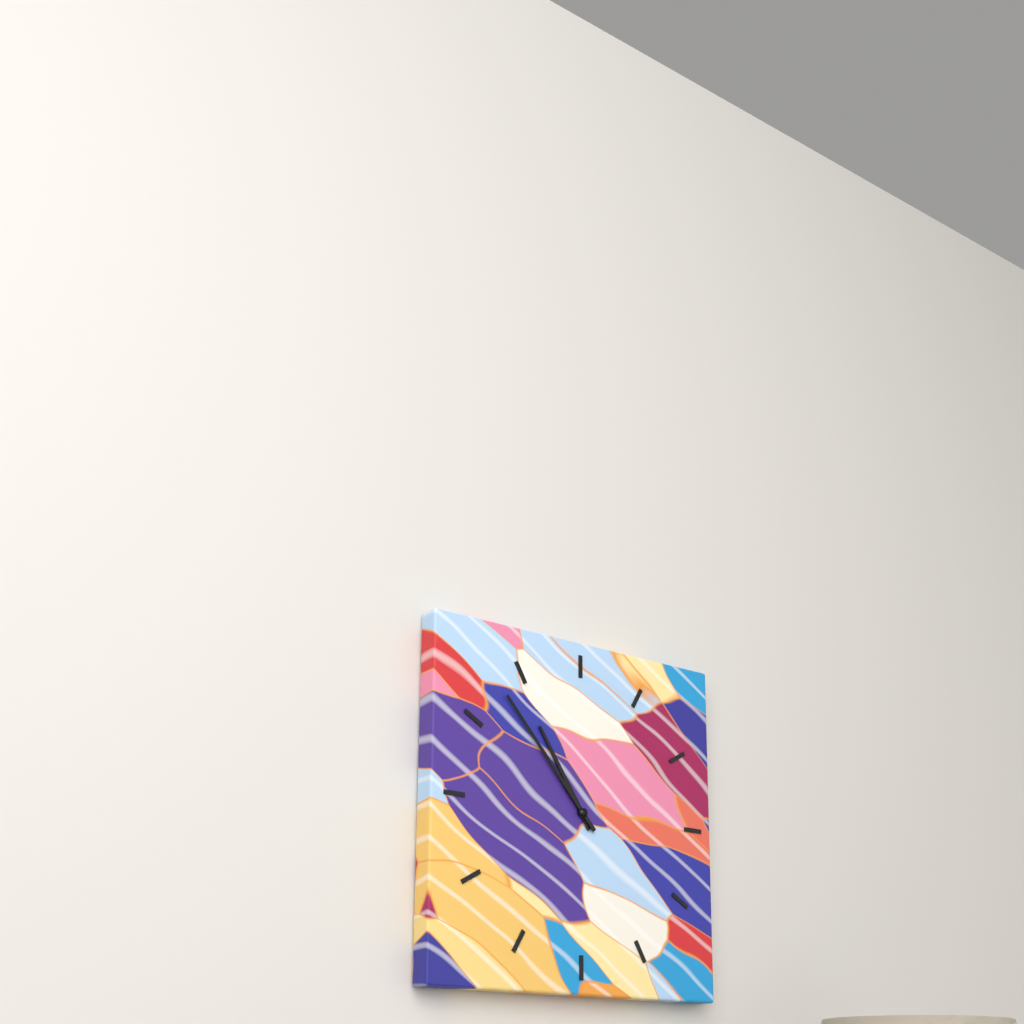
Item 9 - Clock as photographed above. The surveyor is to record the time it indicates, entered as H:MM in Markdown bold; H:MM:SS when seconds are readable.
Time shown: **10:53**
